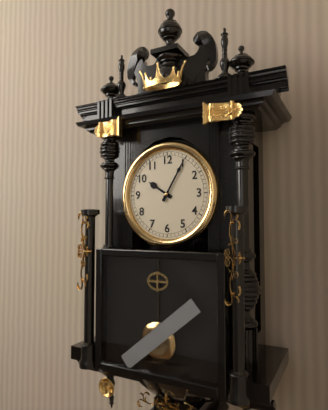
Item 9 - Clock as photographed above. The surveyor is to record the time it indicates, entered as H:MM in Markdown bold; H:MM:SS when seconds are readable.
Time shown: **10:05**
